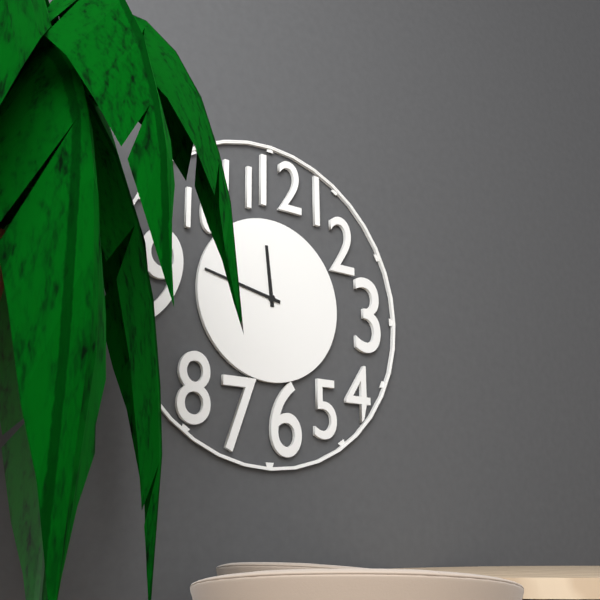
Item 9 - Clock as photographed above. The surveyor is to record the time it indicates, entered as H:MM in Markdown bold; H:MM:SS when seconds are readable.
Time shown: **11:47**
